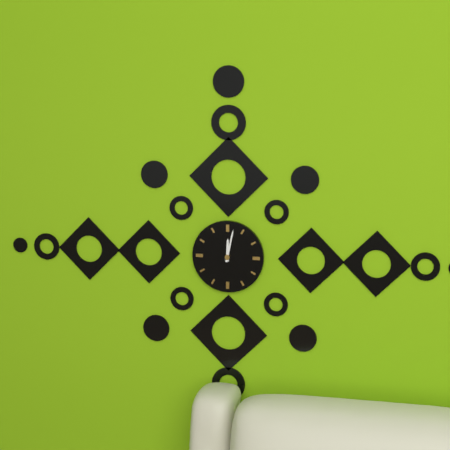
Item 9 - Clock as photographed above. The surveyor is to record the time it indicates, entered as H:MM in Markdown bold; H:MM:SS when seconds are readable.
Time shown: **12:02**
